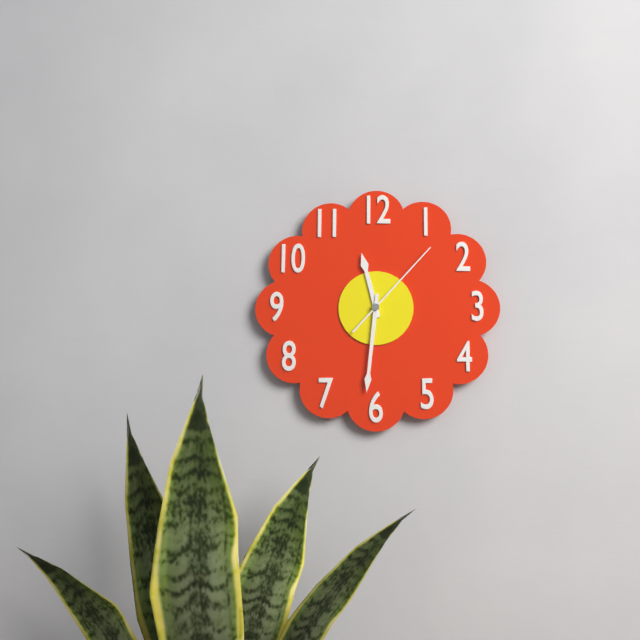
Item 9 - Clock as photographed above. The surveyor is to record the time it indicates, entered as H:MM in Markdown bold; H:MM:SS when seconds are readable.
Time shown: **11:31:07**
